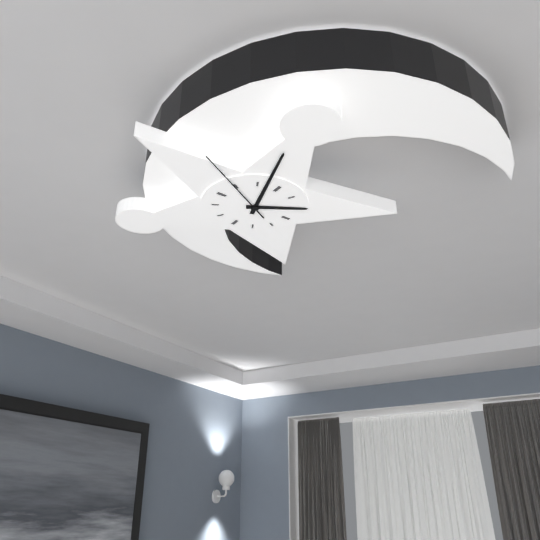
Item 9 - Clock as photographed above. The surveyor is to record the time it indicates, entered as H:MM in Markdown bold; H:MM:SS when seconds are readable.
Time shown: **1:57:50**
